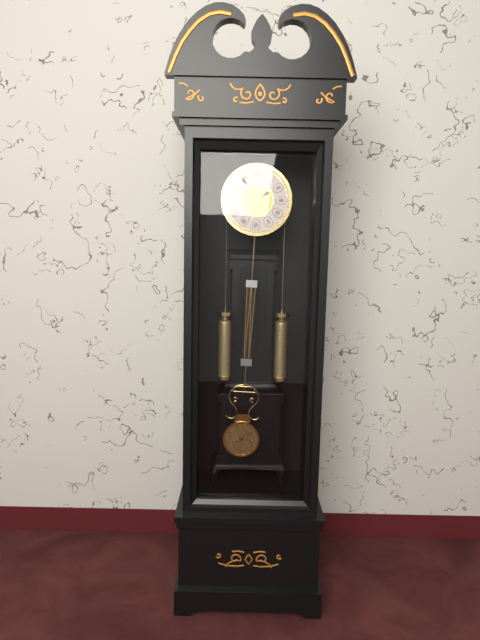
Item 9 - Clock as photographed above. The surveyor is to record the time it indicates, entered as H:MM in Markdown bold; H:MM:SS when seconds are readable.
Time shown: **1:54**
